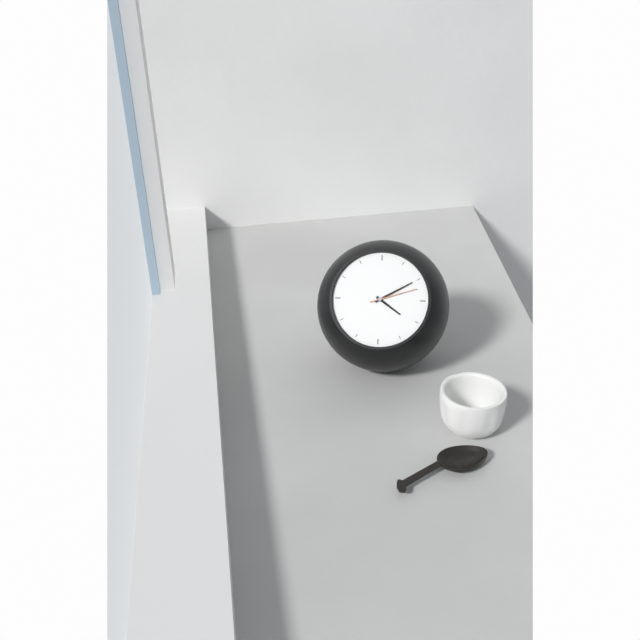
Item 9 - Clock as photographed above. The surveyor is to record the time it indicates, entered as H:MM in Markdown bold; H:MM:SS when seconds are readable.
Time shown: **4:10**
